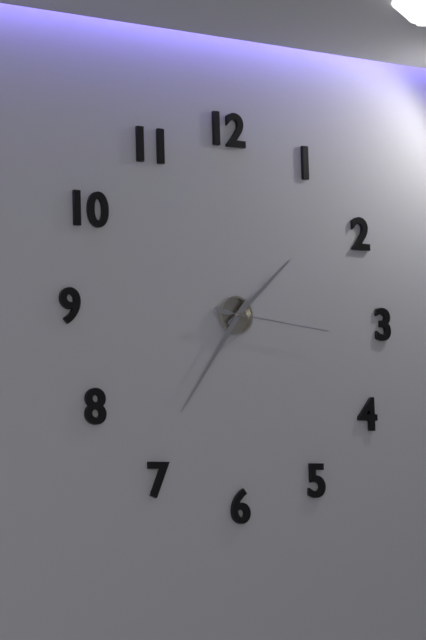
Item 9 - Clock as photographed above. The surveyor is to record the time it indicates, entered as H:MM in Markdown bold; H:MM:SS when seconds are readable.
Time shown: **1:36:16**
